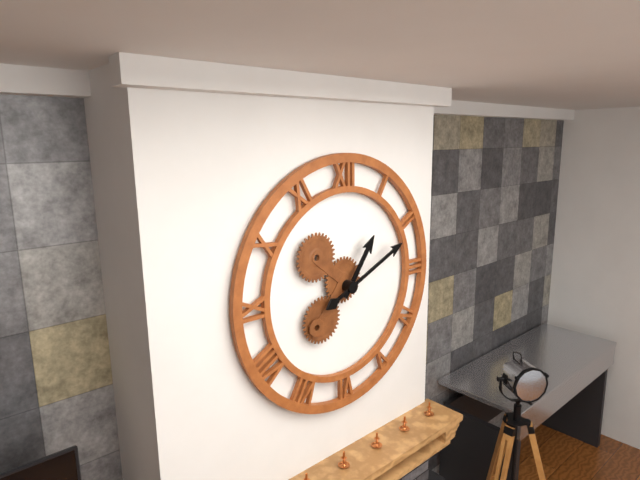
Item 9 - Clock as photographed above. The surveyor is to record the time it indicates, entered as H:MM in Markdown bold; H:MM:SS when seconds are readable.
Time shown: **1:11**
